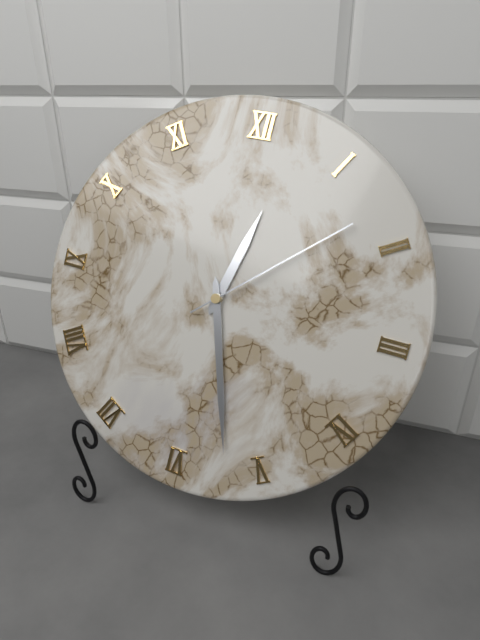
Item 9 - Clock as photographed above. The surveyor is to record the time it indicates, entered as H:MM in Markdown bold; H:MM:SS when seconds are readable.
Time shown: **12:27:08**
